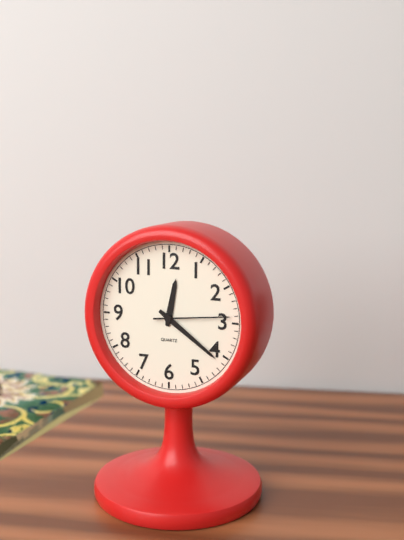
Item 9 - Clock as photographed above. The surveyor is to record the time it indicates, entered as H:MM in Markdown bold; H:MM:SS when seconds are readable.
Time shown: **12:21:14**
